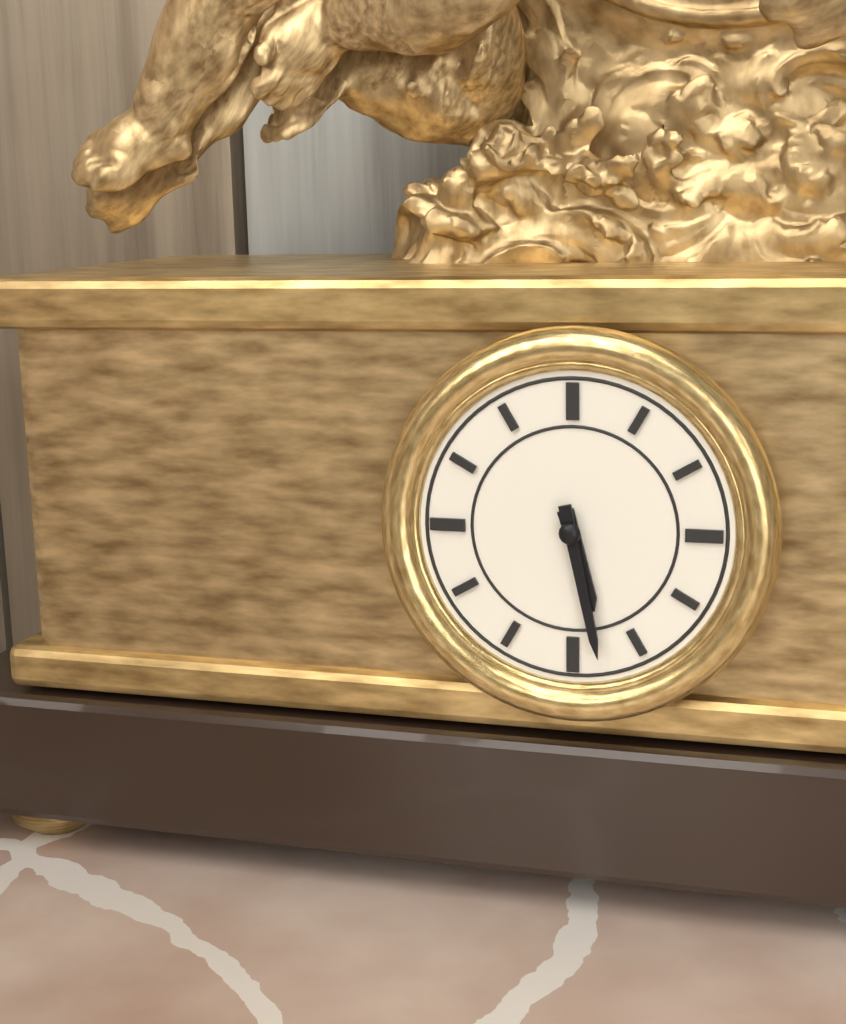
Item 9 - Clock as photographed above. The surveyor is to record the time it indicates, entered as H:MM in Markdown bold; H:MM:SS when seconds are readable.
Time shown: **5:28**
